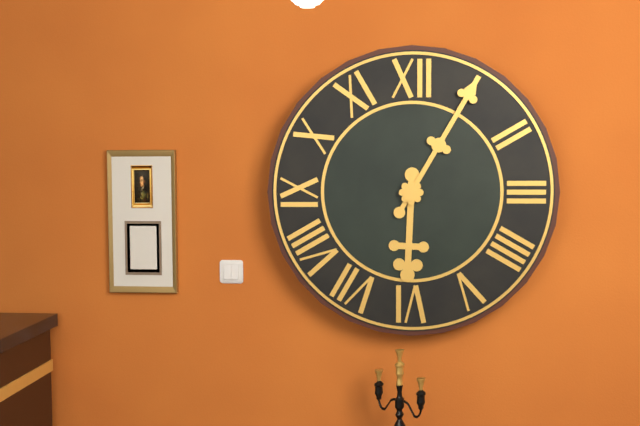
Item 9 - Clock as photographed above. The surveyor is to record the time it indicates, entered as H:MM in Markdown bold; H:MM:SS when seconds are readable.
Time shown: **6:05**
